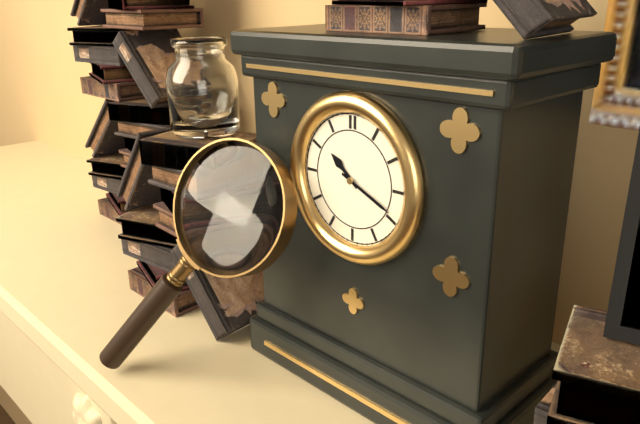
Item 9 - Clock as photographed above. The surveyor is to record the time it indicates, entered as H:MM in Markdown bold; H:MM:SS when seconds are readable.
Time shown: **10:19**
